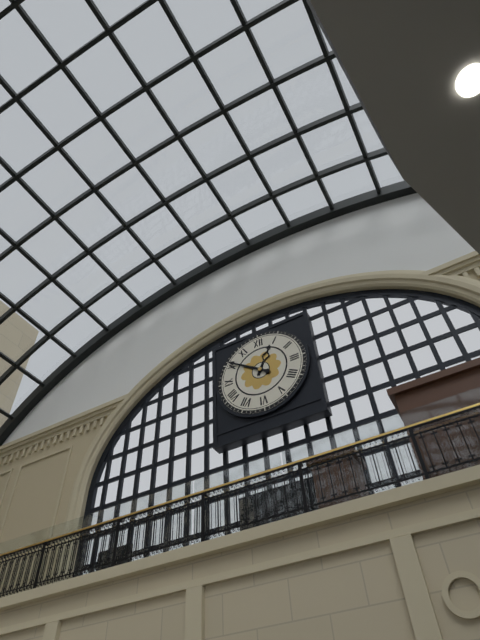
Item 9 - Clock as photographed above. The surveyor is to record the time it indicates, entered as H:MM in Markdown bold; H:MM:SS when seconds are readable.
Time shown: **12:51**
